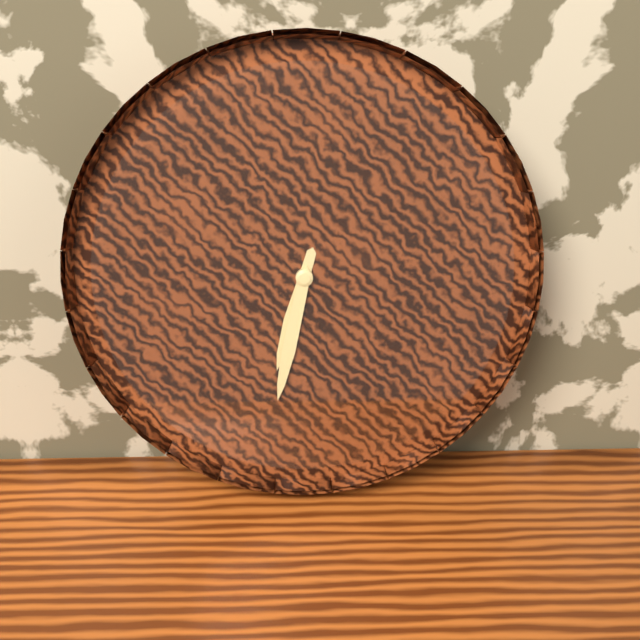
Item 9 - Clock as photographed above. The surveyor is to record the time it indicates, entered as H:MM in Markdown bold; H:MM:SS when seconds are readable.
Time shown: **6:32**
